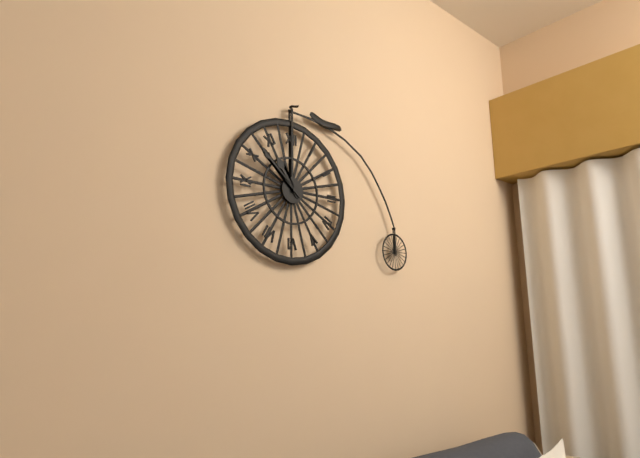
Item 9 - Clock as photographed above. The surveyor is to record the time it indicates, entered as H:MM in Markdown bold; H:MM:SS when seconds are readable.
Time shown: **10:52**
